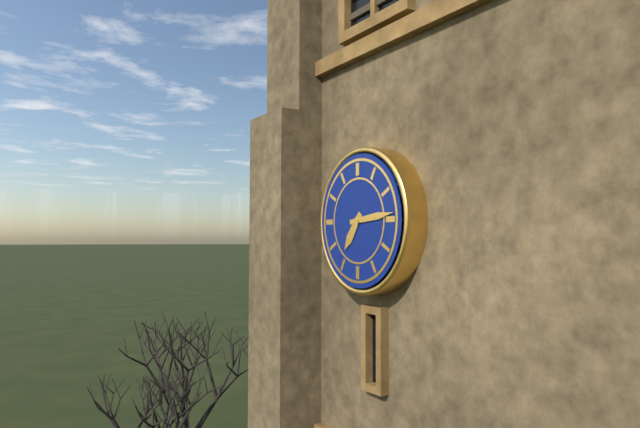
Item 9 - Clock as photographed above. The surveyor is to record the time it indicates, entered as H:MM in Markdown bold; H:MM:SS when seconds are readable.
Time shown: **7:14**
